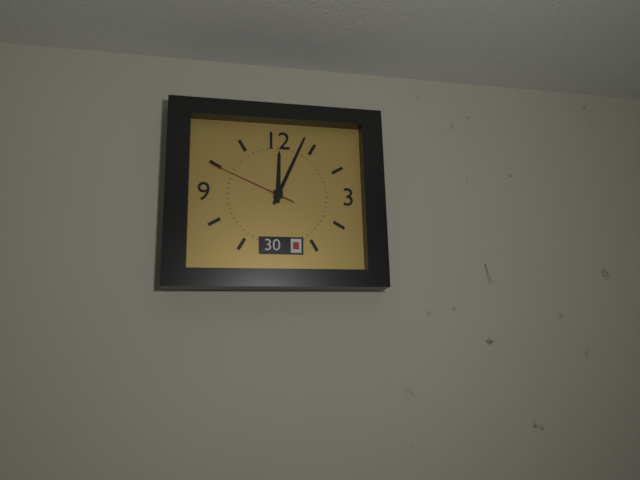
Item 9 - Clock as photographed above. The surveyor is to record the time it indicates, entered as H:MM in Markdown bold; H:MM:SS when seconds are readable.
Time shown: **12:04:49**
